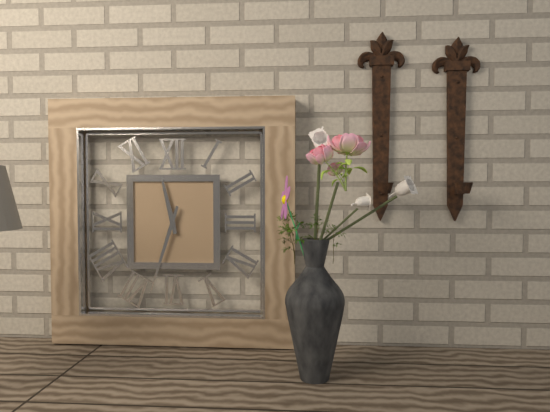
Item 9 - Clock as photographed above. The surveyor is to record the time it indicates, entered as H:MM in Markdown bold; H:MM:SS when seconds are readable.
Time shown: **11:33**
